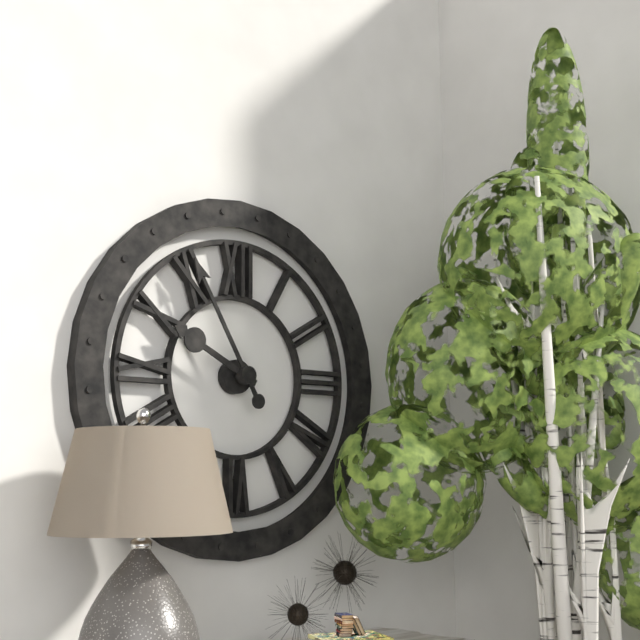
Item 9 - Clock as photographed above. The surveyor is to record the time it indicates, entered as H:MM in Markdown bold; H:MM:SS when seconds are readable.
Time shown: **9:55**
